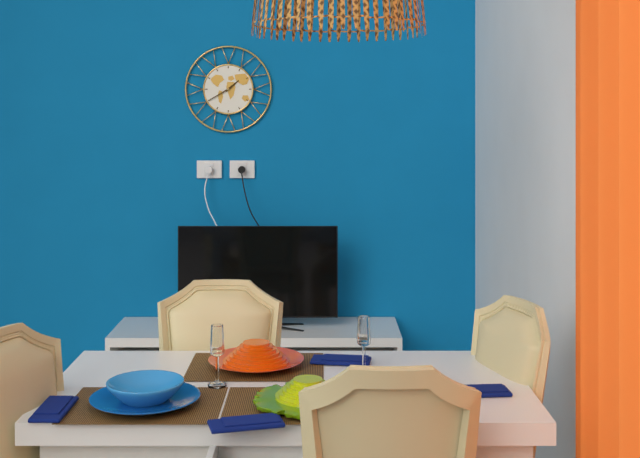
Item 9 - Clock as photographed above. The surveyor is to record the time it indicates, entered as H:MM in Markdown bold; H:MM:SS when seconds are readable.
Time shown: **1:40**
